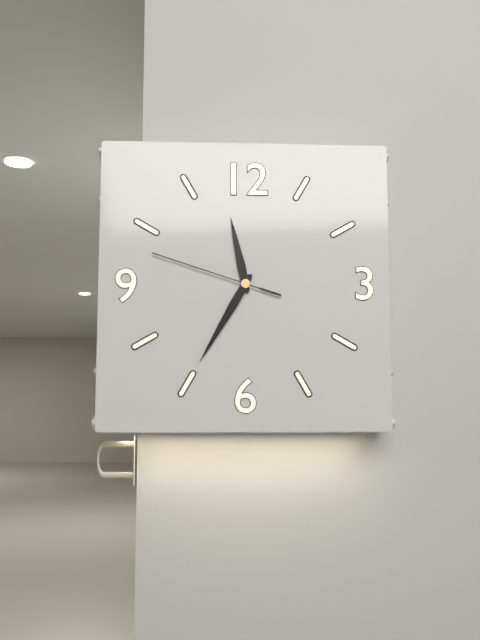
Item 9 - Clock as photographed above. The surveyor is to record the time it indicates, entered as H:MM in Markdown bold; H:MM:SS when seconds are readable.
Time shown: **11:35:48**
